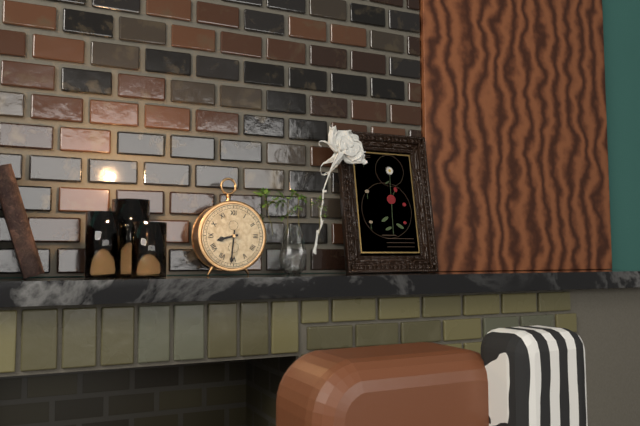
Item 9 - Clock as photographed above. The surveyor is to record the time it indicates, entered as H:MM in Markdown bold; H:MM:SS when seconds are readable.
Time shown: **8:31**
